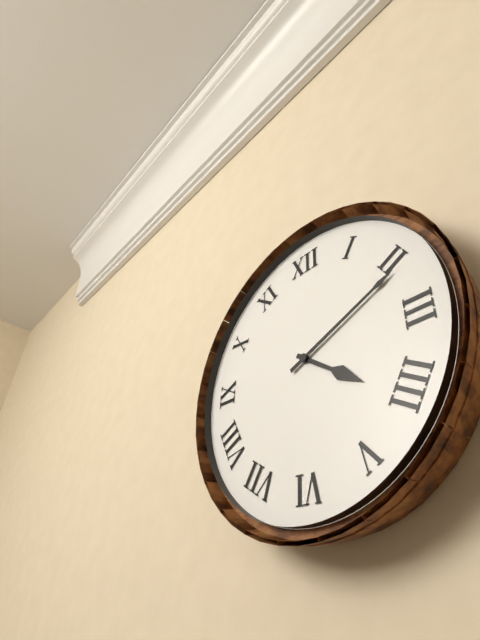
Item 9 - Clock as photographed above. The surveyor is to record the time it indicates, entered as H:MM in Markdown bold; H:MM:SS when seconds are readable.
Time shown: **4:11**
